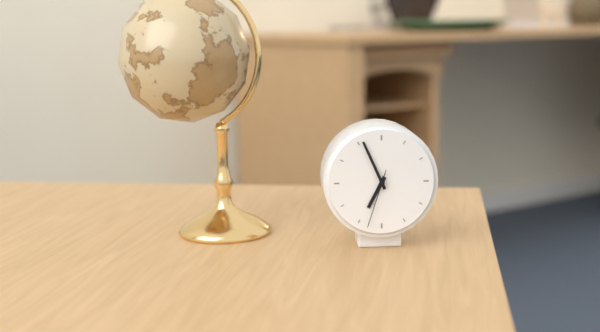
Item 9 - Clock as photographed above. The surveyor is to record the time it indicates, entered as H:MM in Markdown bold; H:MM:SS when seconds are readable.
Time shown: **6:56:33**
